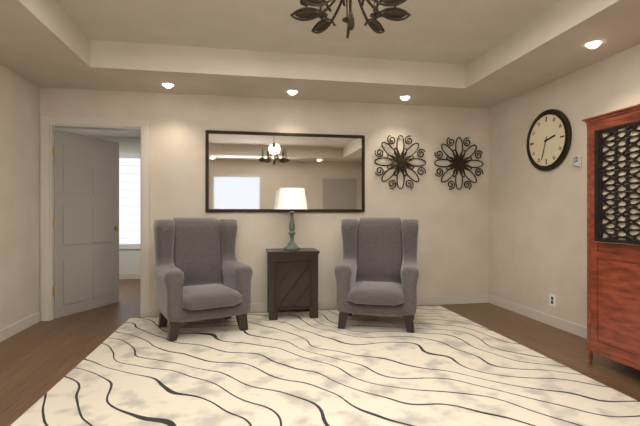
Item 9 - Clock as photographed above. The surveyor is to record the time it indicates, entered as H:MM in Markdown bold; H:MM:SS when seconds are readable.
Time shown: **2:33**
